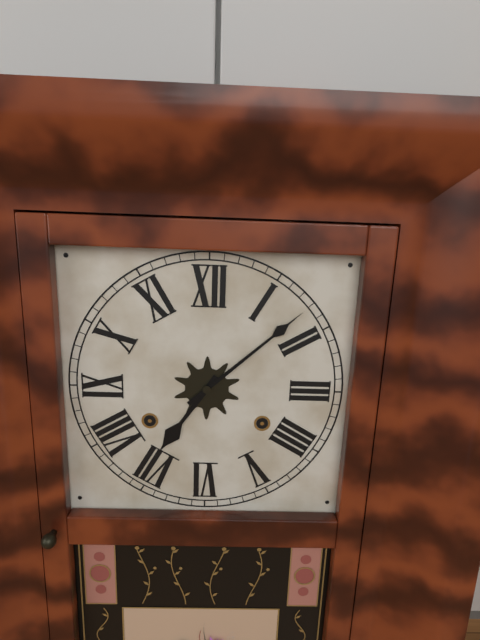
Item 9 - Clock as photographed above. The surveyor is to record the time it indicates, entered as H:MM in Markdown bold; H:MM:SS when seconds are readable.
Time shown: **7:08**
